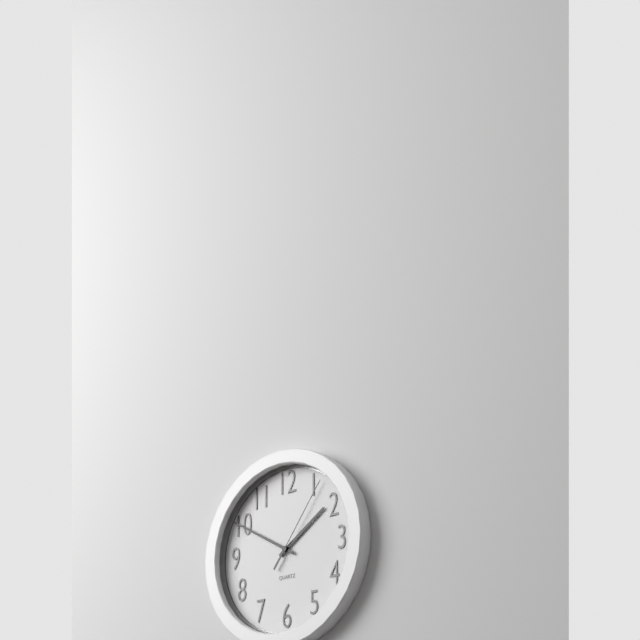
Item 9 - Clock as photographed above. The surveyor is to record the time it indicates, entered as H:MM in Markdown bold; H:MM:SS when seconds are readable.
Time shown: **1:50:06**
